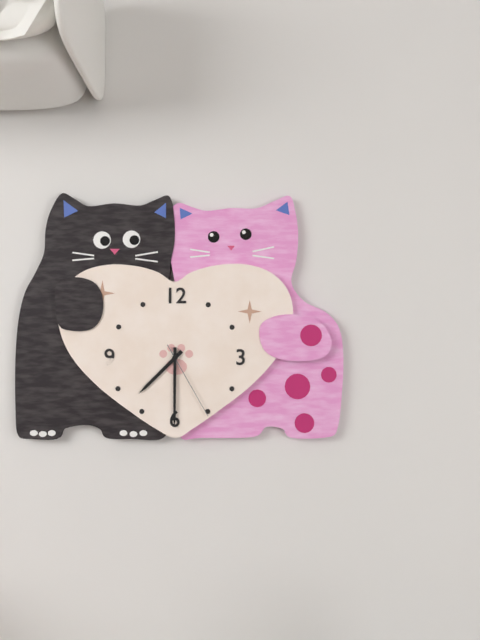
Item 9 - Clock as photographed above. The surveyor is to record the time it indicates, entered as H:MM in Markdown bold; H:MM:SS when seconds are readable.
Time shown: **7:30:25**
